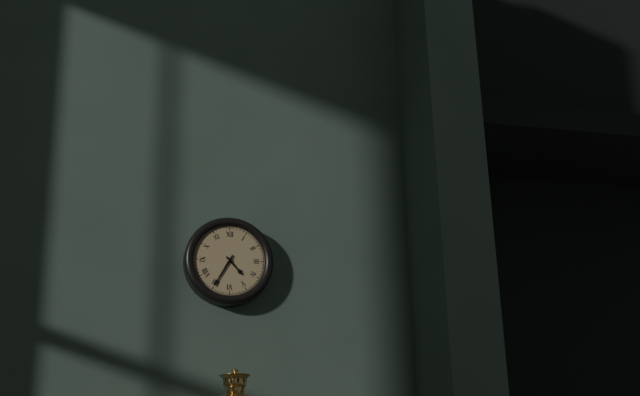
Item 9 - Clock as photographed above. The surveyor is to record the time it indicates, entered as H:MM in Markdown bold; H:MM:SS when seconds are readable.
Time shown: **4:35**
